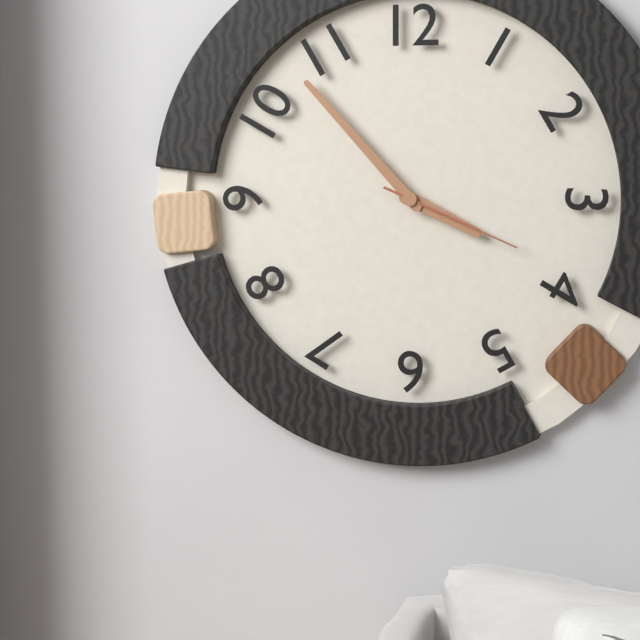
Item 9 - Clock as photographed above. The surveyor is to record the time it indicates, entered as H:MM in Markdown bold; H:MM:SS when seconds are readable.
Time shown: **3:53:19**
